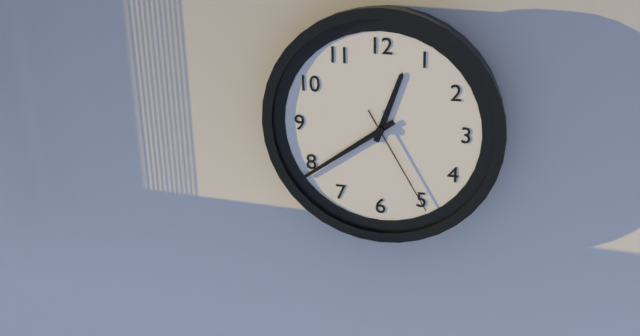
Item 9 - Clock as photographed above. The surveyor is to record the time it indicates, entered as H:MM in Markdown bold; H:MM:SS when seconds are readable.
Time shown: **12:39:25**
